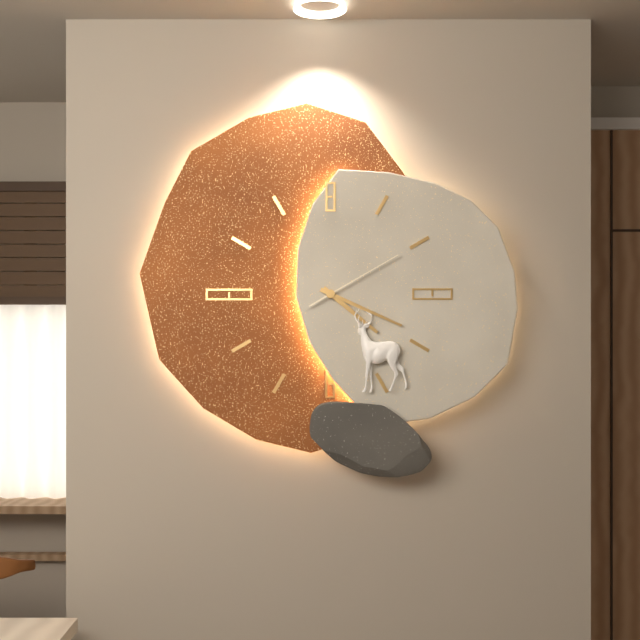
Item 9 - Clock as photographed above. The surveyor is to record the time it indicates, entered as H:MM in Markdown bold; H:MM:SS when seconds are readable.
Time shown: **4:19:10**
